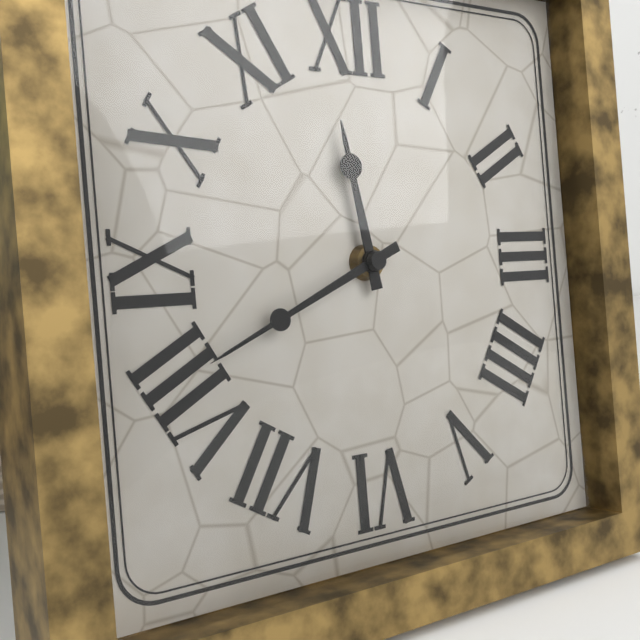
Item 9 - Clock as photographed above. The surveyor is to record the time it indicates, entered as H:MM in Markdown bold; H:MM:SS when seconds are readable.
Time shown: **11:41**
